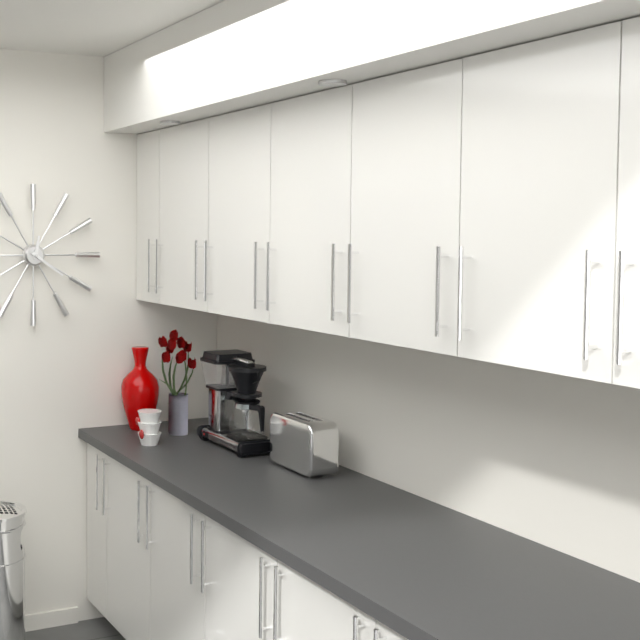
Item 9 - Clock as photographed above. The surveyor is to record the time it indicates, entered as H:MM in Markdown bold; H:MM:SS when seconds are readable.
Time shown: **12:21**
